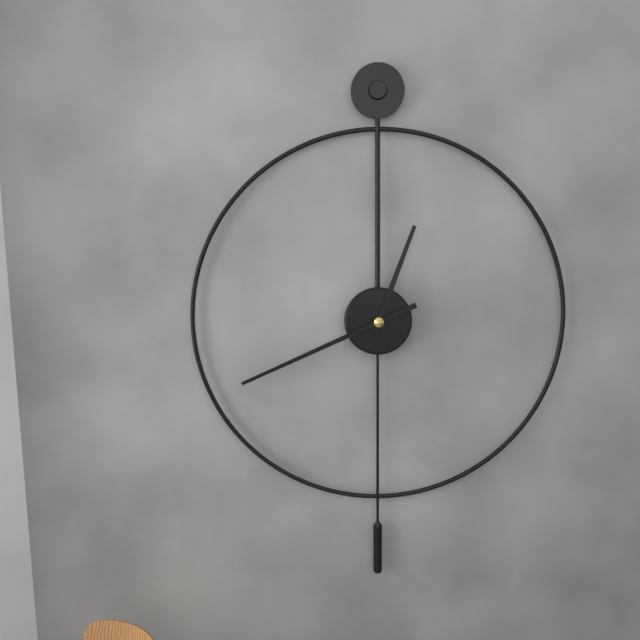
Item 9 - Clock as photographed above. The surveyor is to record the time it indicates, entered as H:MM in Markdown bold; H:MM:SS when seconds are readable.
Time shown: **12:41**
